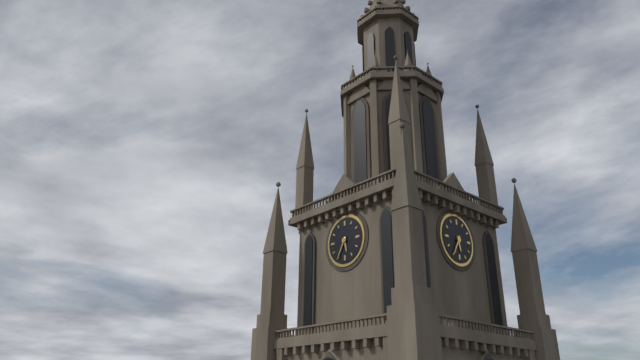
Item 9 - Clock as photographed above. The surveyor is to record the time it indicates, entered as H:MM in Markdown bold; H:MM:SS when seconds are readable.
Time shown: **5:35**
